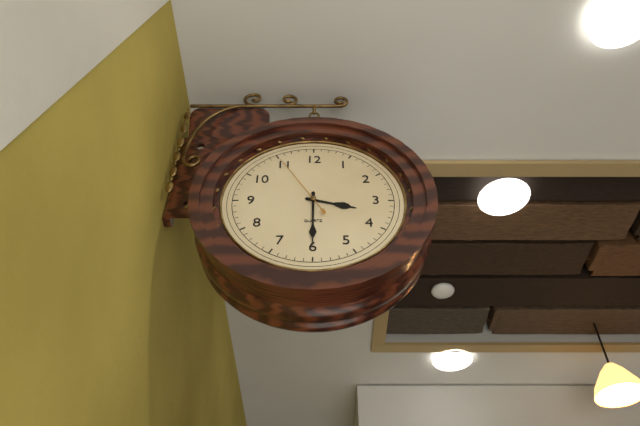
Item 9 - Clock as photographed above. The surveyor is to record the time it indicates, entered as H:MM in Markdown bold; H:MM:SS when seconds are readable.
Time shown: **3:30:55**
